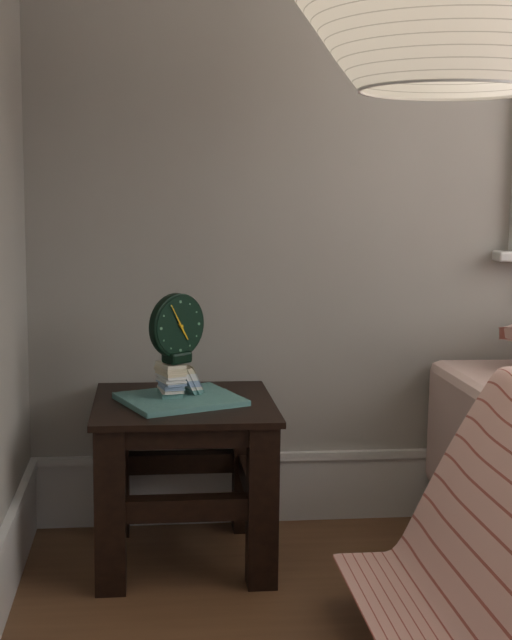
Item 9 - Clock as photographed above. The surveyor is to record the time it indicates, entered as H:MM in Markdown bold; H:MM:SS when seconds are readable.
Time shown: **4:55**
